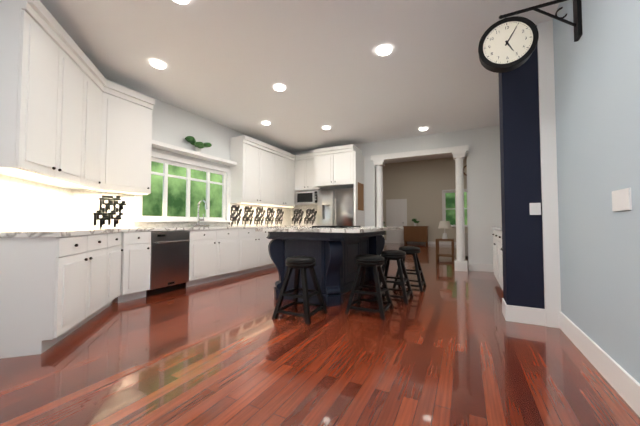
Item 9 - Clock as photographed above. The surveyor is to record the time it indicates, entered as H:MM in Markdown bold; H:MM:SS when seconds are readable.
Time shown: **5:05**
